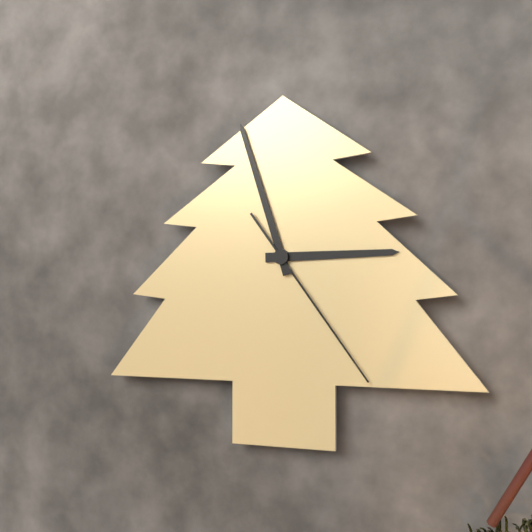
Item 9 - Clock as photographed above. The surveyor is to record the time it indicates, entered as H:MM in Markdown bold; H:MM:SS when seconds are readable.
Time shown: **2:57:24**
